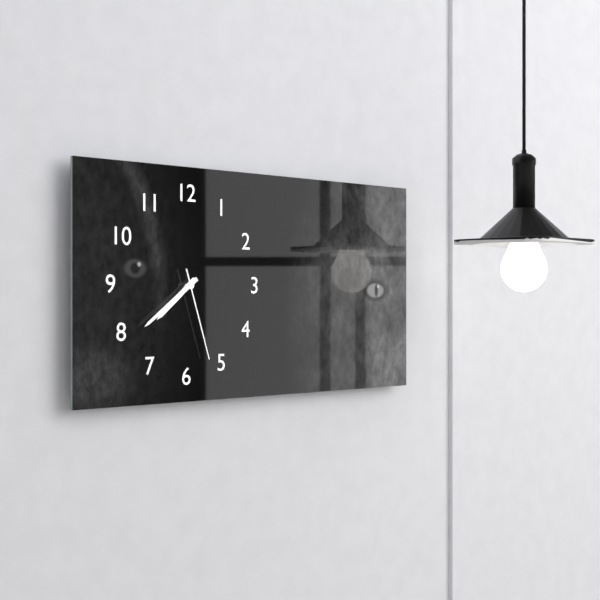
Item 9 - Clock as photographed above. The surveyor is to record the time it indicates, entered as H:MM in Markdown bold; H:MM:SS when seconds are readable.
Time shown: **7:39:27**
